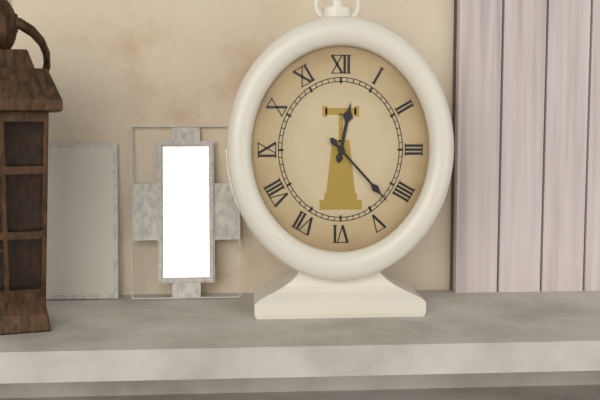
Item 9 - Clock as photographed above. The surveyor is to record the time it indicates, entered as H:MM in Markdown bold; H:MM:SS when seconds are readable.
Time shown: **12:23**
